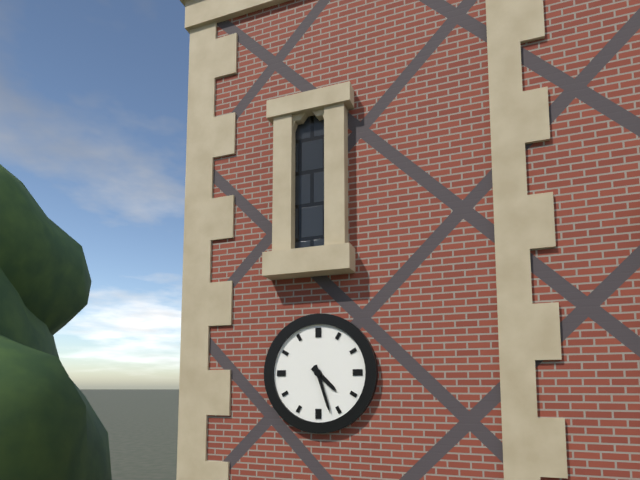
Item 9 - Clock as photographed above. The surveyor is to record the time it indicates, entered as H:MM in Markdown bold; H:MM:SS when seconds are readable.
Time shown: **4:27**
